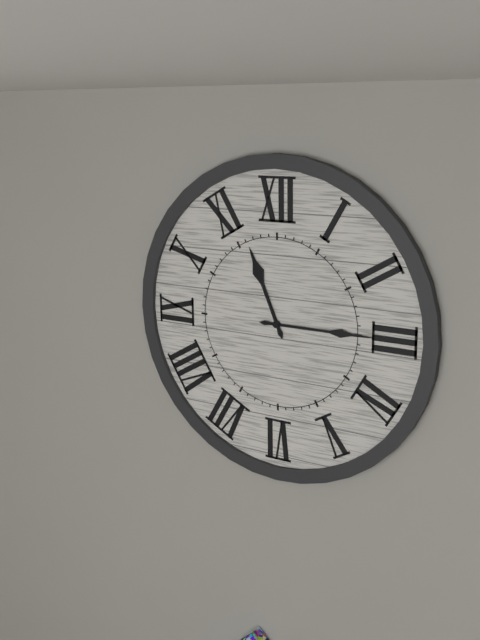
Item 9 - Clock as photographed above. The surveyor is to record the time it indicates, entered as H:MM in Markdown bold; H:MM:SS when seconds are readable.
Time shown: **11:15**
